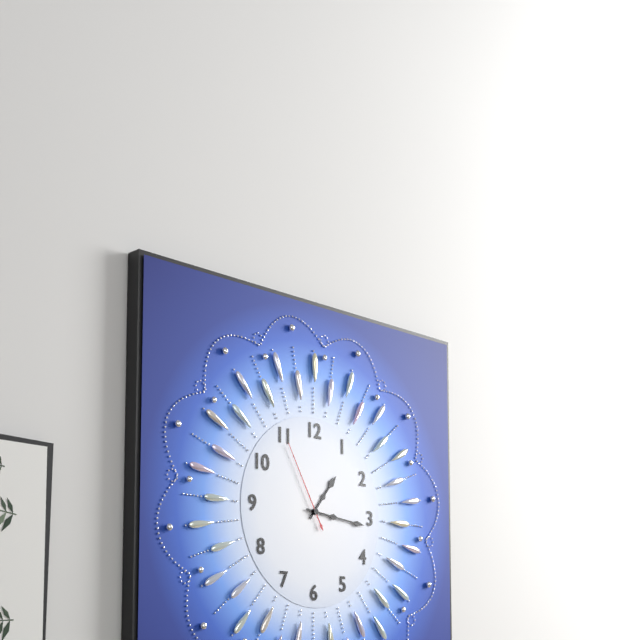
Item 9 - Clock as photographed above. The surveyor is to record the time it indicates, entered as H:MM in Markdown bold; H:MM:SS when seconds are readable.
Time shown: **1:16:55**
